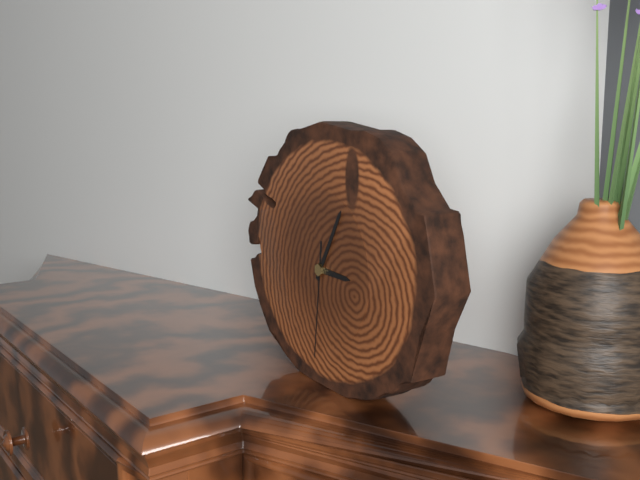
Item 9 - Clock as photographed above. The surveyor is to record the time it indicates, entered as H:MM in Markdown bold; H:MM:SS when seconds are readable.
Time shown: **3:05:31**
